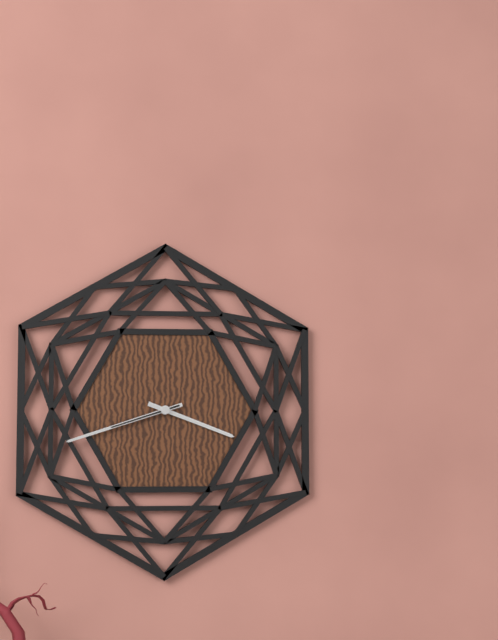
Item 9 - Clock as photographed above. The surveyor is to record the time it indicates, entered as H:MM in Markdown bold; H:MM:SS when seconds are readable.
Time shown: **3:42:42**
